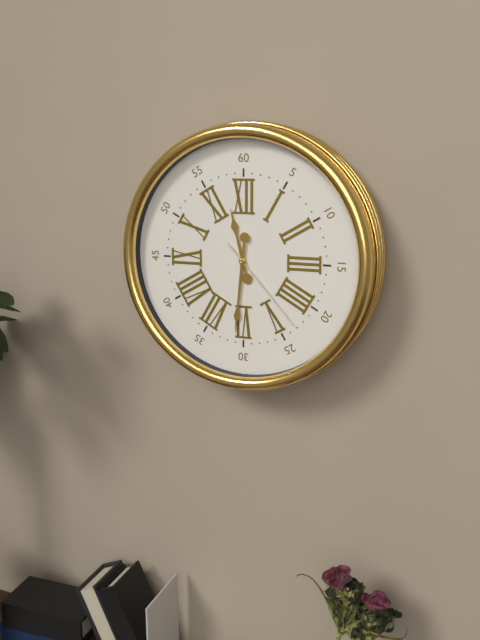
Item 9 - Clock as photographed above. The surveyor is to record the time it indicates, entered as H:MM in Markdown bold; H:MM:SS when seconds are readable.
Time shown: **11:31:23**
